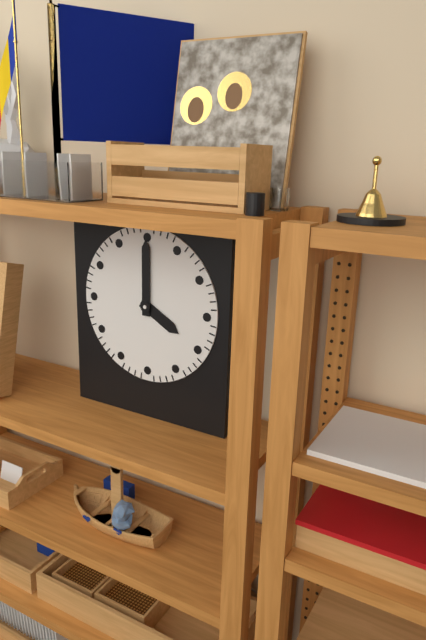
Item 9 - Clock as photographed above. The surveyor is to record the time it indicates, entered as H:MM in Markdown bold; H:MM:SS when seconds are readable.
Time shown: **4:00**
